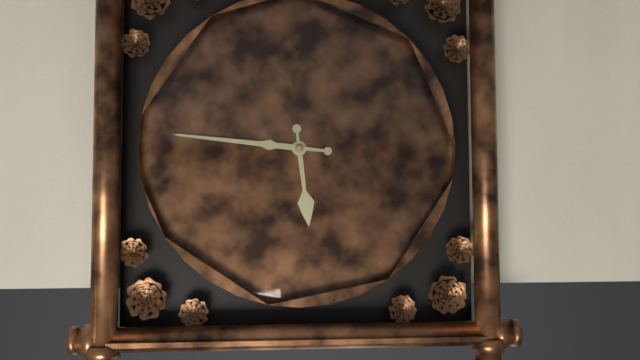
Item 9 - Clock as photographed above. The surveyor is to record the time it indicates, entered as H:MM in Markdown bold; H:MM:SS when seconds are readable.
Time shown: **5:46**
